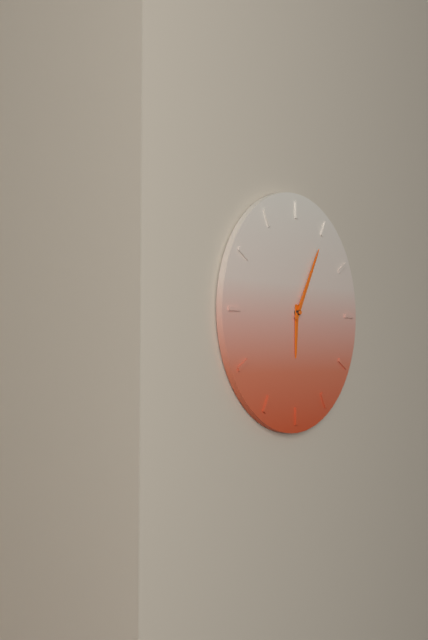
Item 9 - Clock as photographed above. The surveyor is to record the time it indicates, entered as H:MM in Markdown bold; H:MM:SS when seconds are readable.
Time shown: **6:05**
